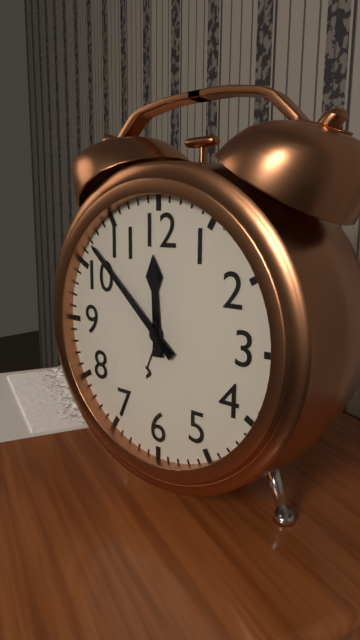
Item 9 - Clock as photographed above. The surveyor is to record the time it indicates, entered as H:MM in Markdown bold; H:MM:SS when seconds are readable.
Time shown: **11:52**
